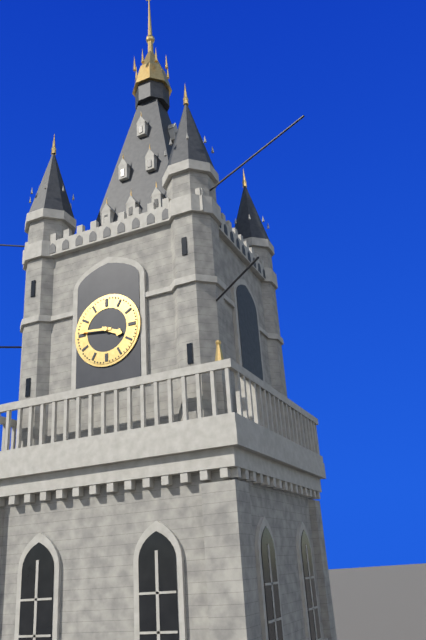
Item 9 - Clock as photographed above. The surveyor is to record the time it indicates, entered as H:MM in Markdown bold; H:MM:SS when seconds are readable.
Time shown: **3:46**
